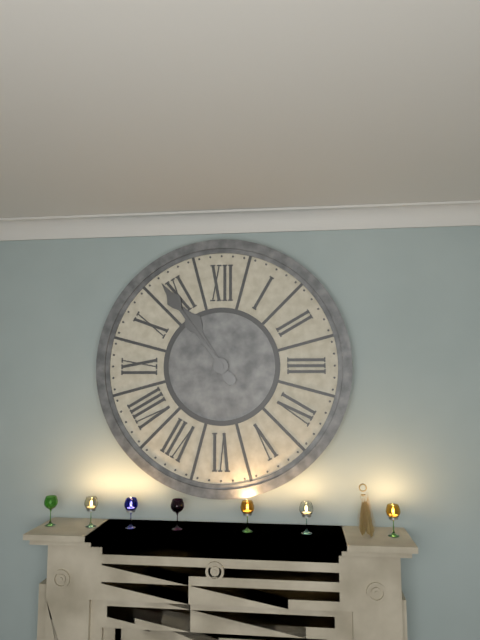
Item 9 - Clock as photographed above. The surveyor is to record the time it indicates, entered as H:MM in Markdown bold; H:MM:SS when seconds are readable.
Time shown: **10:54**
